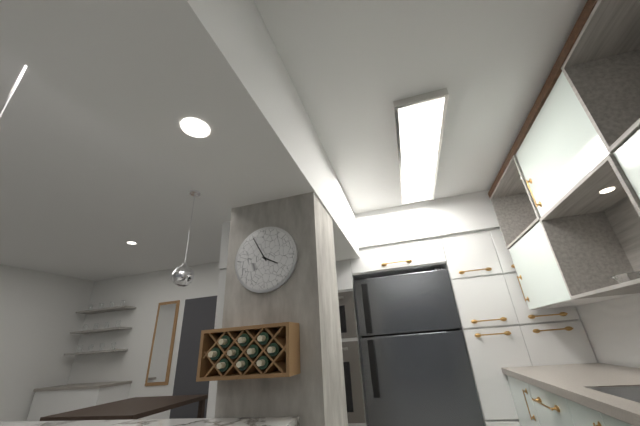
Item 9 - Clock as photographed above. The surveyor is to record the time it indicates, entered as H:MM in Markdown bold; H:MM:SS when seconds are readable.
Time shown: **3:55**
